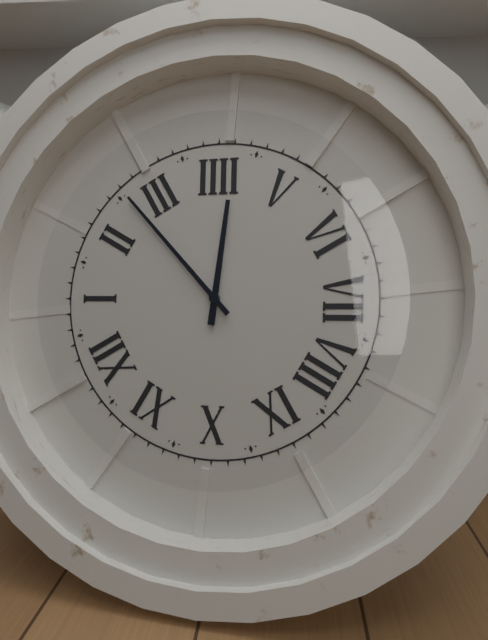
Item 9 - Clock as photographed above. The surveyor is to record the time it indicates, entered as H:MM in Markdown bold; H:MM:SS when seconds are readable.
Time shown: **4:13**
